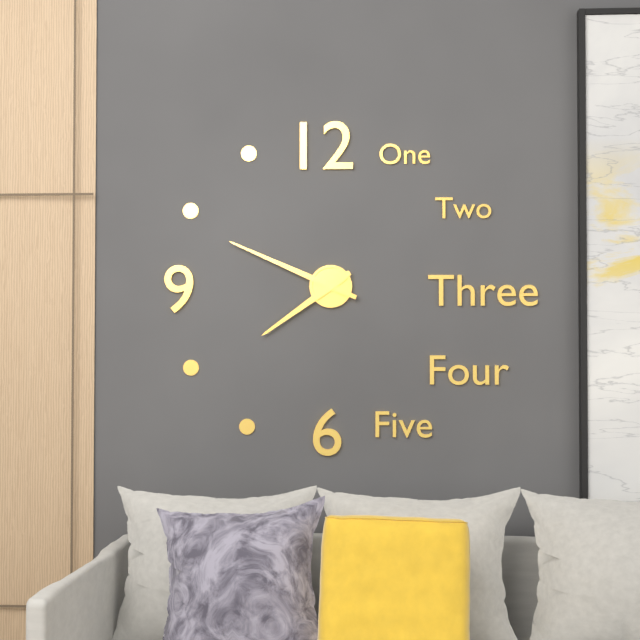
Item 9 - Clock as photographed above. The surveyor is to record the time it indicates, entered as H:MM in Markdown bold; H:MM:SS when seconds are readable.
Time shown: **7:49**
